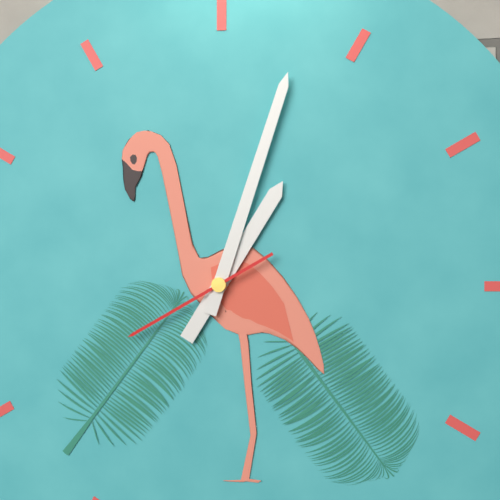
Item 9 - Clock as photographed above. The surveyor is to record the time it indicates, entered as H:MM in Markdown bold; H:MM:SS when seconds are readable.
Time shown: **1:03:40**
